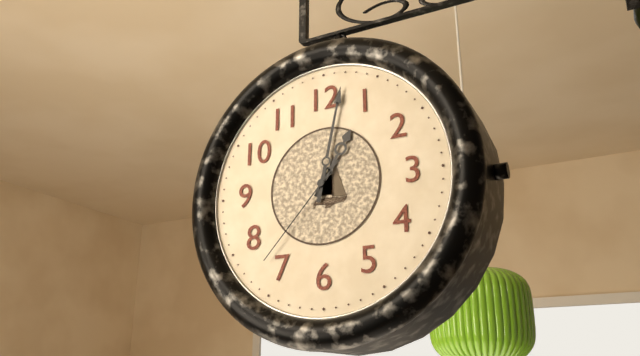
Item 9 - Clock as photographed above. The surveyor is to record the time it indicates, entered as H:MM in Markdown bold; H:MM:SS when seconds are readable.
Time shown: **1:02:37**
